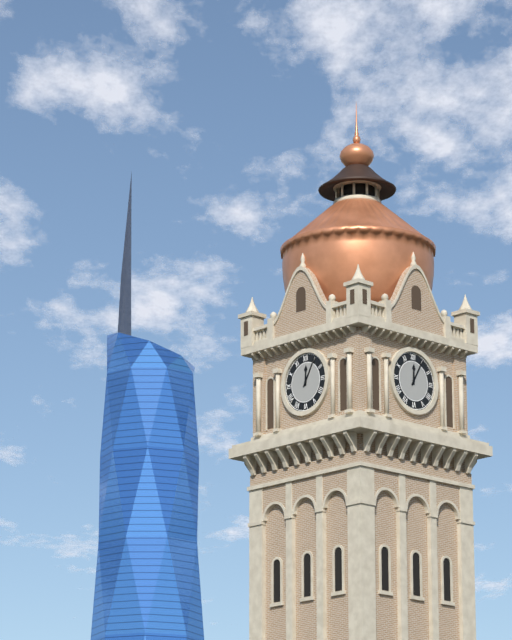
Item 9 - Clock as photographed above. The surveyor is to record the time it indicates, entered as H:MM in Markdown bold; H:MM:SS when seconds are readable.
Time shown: **12:05**
